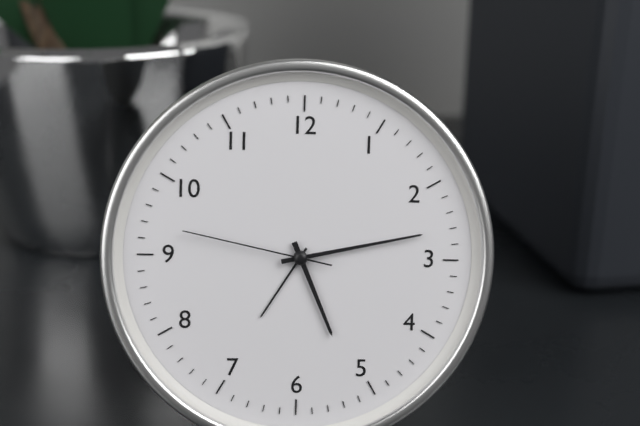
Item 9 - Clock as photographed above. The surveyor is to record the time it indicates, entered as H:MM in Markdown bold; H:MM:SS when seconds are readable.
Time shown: **5:13:47**
